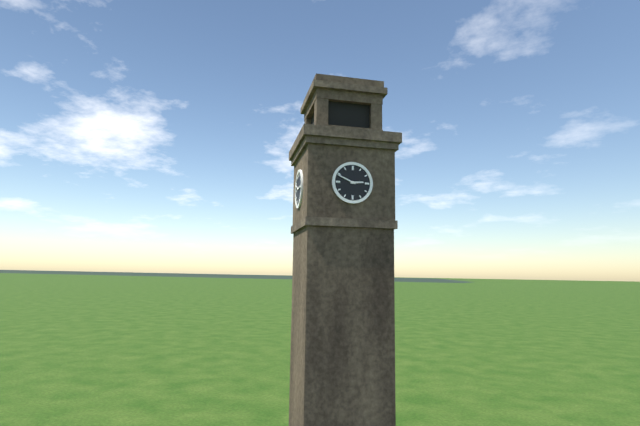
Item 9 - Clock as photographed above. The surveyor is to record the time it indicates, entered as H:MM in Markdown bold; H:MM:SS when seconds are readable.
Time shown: **2:49**
